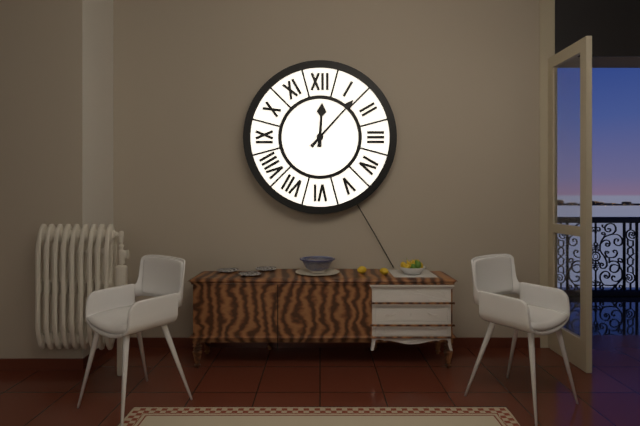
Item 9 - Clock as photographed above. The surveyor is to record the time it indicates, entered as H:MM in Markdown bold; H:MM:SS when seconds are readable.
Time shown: **12:07**
